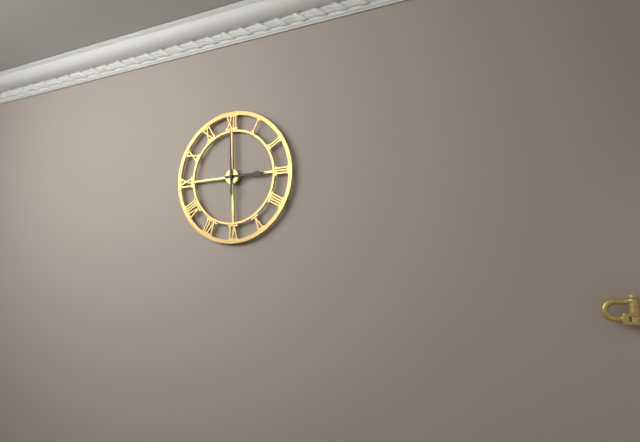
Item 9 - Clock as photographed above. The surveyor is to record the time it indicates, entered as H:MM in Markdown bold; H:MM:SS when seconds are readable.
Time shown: **3:00**
